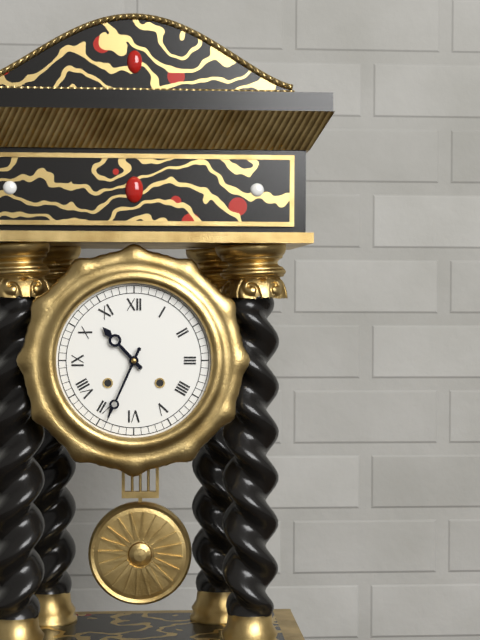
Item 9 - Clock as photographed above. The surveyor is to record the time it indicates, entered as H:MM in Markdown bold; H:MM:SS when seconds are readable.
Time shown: **10:34**
